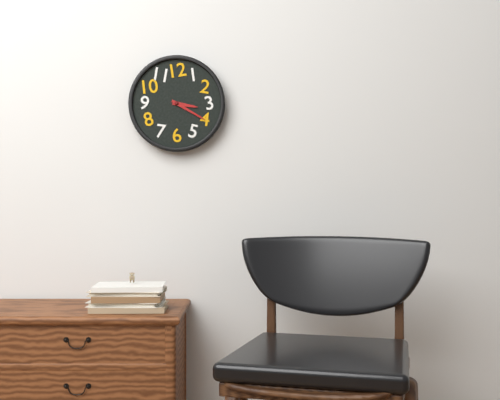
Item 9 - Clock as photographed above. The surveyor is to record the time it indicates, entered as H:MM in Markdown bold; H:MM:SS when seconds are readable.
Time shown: **3:20**
